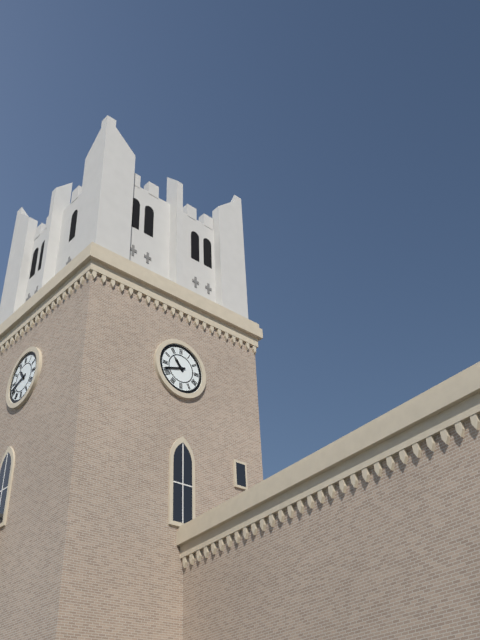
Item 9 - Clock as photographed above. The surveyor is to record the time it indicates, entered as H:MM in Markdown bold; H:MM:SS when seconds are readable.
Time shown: **10:42**
